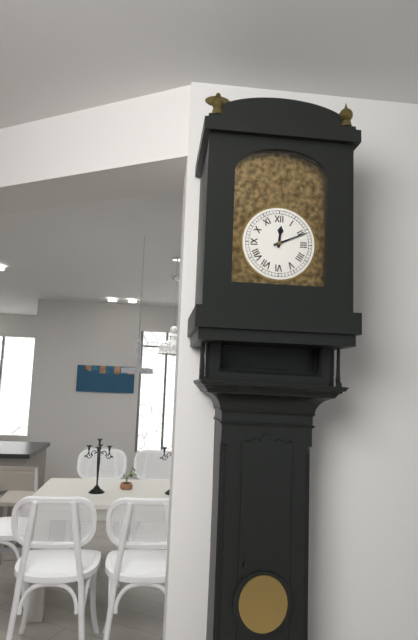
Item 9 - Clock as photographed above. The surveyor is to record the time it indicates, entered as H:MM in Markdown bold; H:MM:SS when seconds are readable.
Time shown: **12:11**
